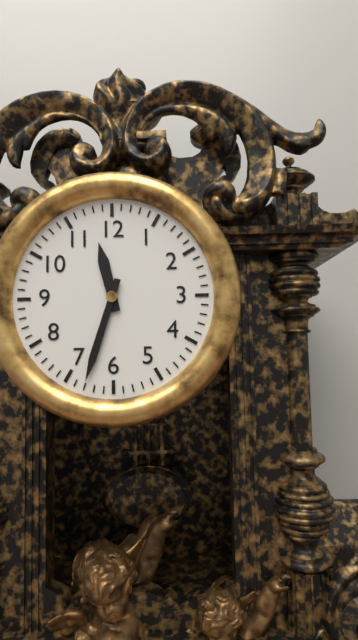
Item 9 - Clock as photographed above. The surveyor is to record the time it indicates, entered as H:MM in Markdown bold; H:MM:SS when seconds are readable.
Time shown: **11:33**
